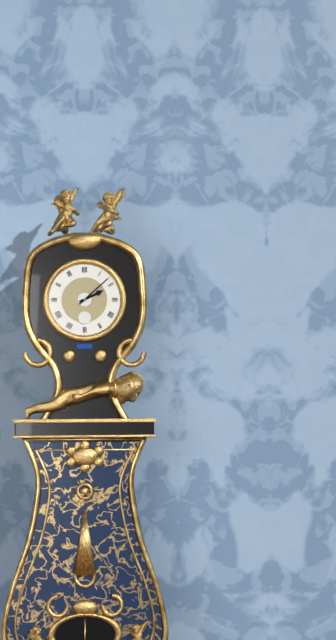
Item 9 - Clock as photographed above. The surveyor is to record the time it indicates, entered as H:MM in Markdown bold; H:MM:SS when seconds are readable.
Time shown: **2:08**
